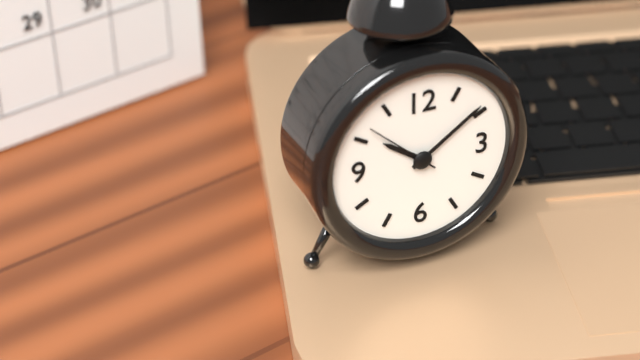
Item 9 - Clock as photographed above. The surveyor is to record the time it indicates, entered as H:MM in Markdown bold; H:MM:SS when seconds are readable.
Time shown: **10:09**
